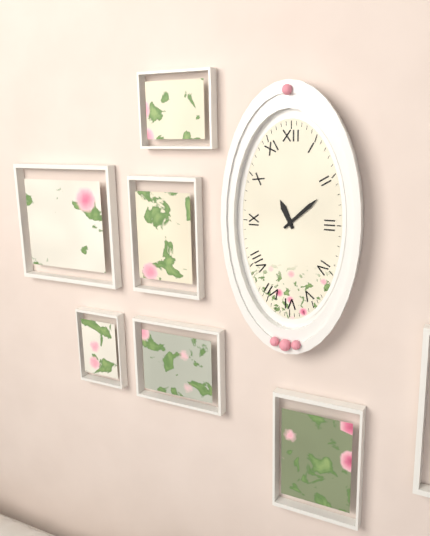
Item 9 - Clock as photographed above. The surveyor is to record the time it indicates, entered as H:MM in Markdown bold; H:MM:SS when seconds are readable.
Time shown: **11:08**
